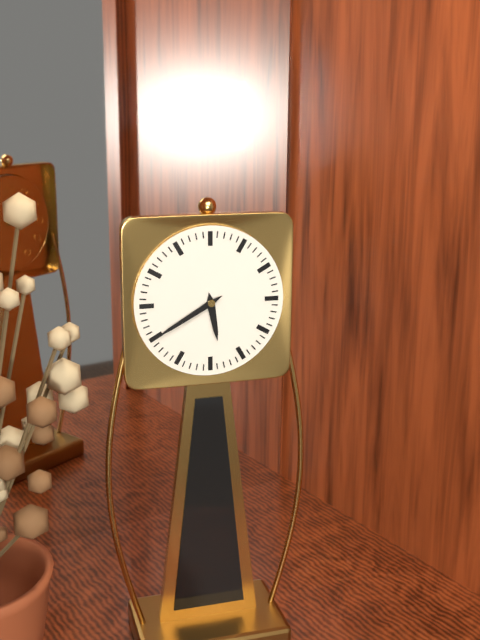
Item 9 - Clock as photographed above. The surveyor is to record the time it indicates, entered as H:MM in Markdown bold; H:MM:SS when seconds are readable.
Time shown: **5:40**
